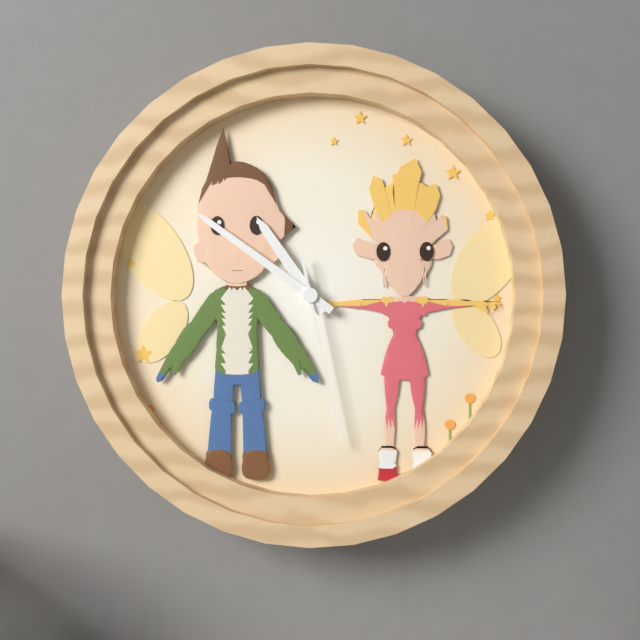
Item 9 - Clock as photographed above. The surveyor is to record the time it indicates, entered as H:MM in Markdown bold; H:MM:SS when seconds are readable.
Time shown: **10:51:28**
